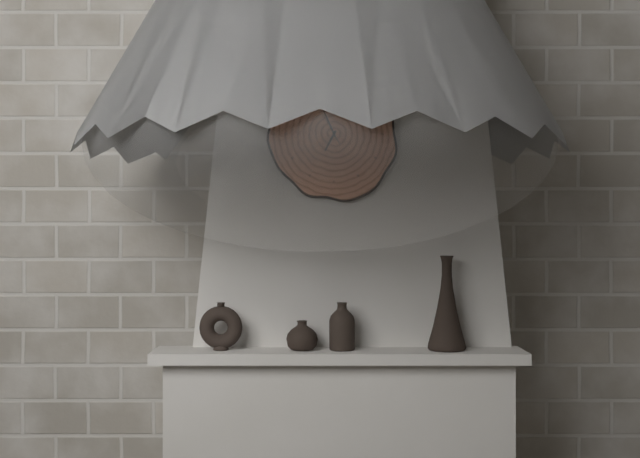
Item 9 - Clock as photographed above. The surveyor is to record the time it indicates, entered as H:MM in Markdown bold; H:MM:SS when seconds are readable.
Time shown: **6:56**
